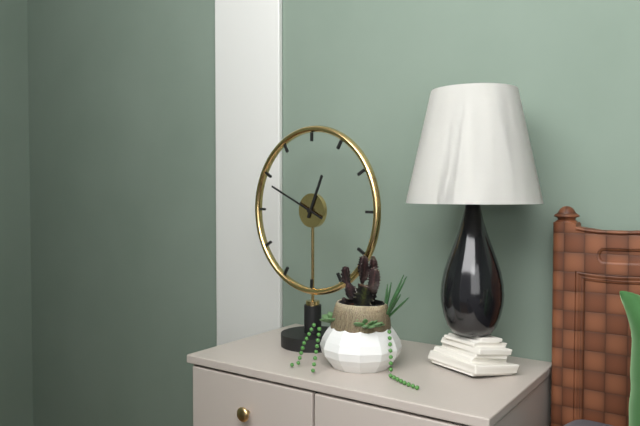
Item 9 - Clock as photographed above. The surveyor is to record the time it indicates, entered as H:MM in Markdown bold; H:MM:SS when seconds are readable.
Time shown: **12:49**
